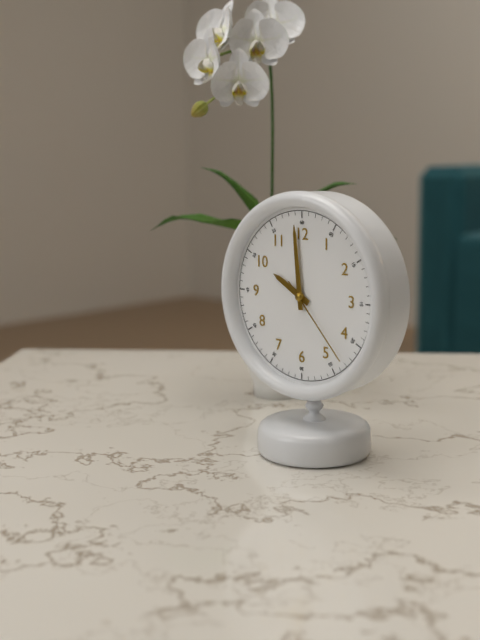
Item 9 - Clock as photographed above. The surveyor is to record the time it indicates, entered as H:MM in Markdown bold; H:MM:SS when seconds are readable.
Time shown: **9:59:23**
